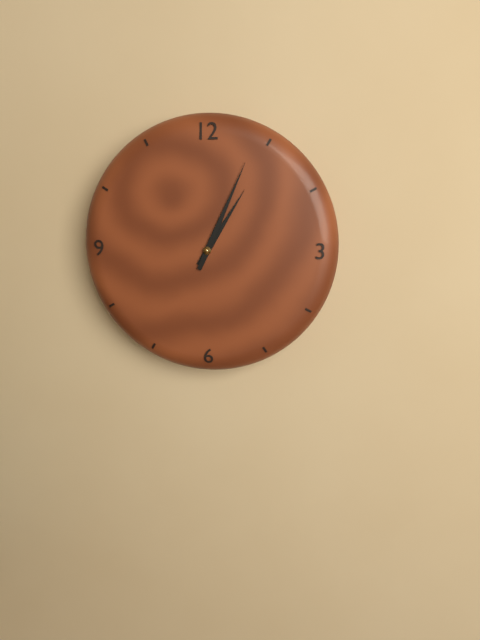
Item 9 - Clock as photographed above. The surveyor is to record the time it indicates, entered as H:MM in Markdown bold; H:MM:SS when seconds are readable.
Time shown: **1:04**
